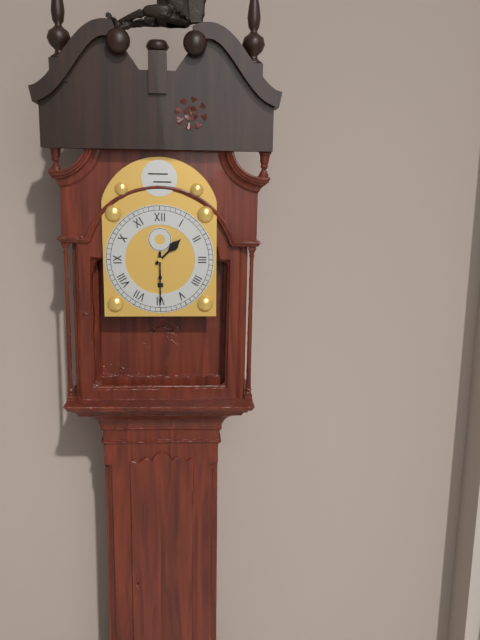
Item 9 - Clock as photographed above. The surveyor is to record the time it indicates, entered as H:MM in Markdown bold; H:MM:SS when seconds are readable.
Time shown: **1:30**
